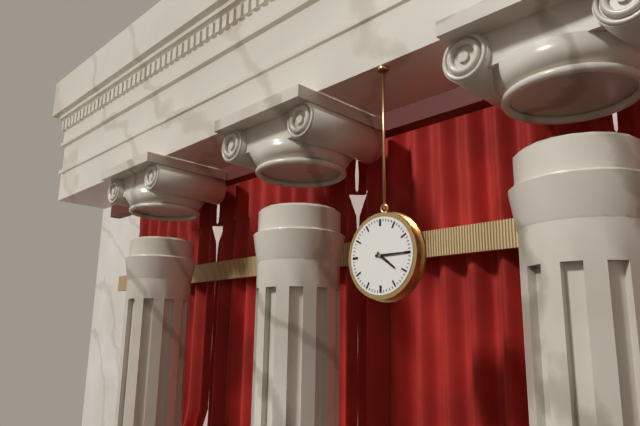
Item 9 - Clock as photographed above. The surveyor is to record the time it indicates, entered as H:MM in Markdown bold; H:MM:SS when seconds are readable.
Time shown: **4:15**
